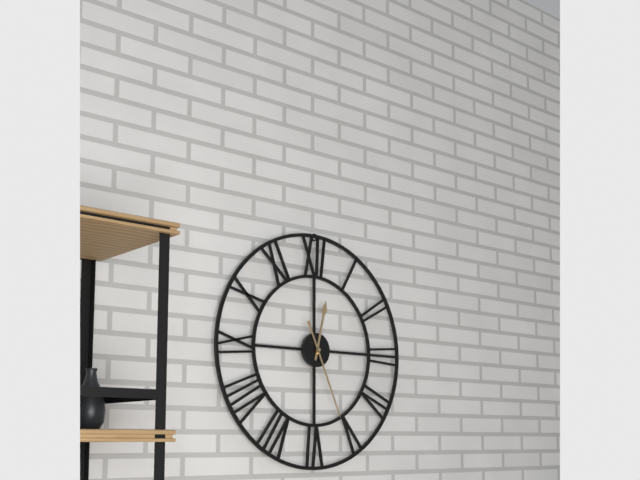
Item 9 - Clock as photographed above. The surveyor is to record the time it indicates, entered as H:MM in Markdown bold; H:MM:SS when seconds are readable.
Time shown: **12:26**
